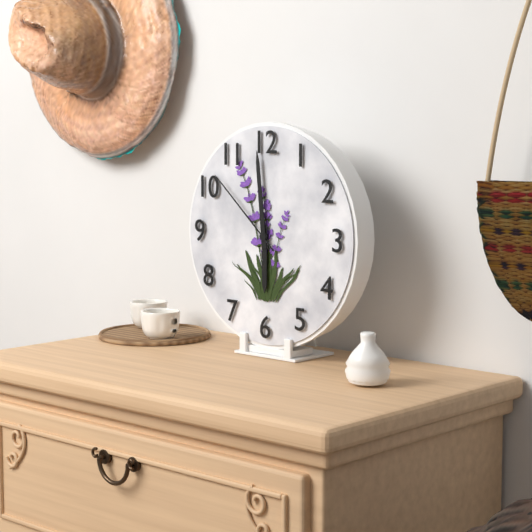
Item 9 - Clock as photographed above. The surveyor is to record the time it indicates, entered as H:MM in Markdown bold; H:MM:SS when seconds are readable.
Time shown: **5:59:52**
